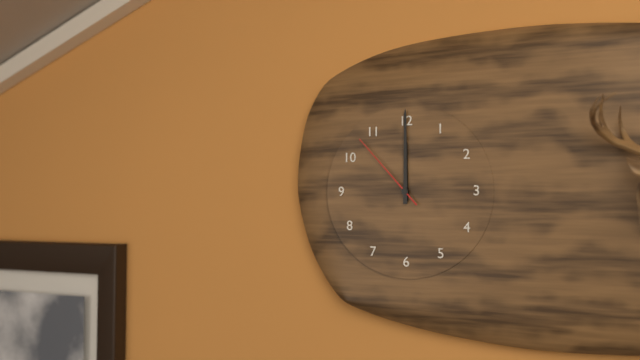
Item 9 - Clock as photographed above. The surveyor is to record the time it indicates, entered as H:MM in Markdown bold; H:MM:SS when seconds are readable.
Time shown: **12:00:53**
